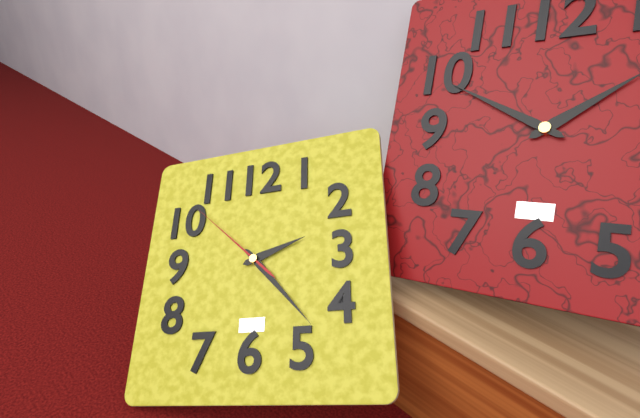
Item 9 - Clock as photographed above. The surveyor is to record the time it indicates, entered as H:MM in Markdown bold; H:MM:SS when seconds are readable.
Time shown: **2:23:52**
